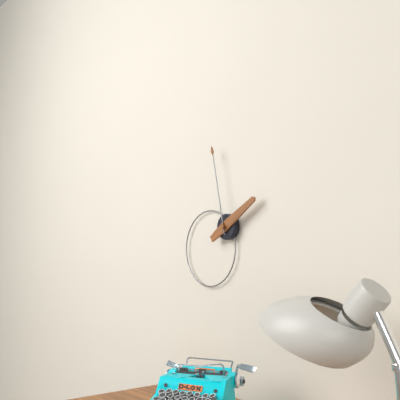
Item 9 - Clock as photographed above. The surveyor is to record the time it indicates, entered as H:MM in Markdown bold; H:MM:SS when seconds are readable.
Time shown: **1:58**
